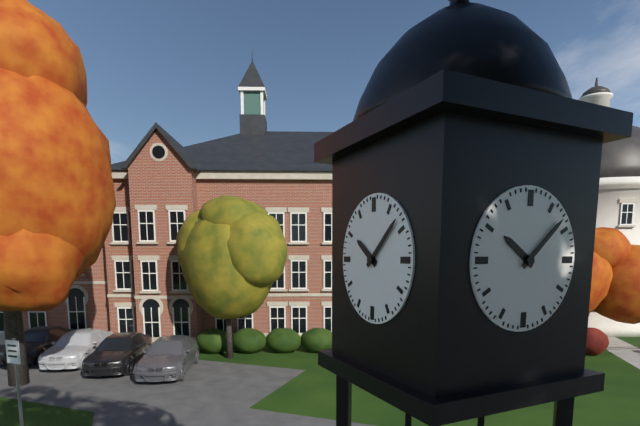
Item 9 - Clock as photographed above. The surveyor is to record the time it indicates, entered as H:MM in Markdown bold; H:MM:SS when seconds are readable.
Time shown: **10:08**
